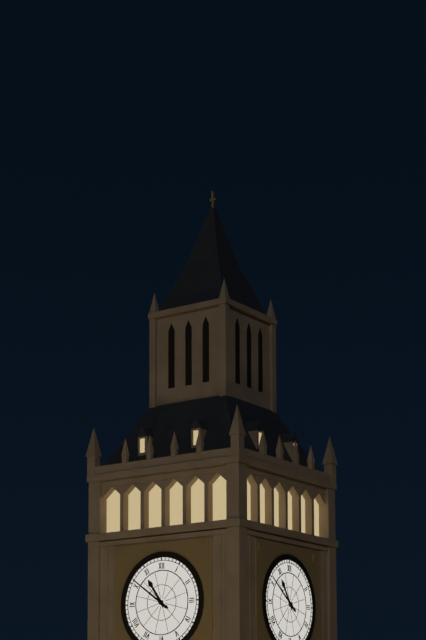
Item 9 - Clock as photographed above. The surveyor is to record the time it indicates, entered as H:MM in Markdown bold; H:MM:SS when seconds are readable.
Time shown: **10:51**
